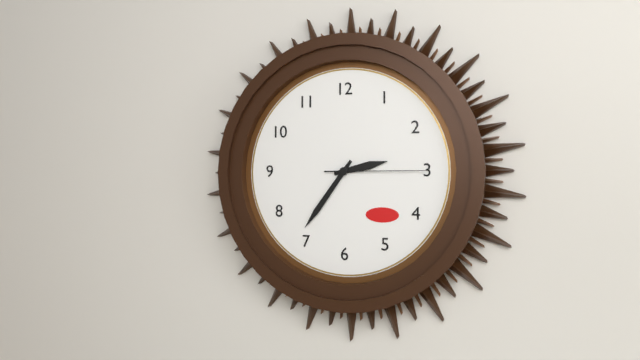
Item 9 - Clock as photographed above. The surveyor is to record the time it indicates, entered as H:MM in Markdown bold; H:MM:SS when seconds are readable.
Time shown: **2:36:15**
